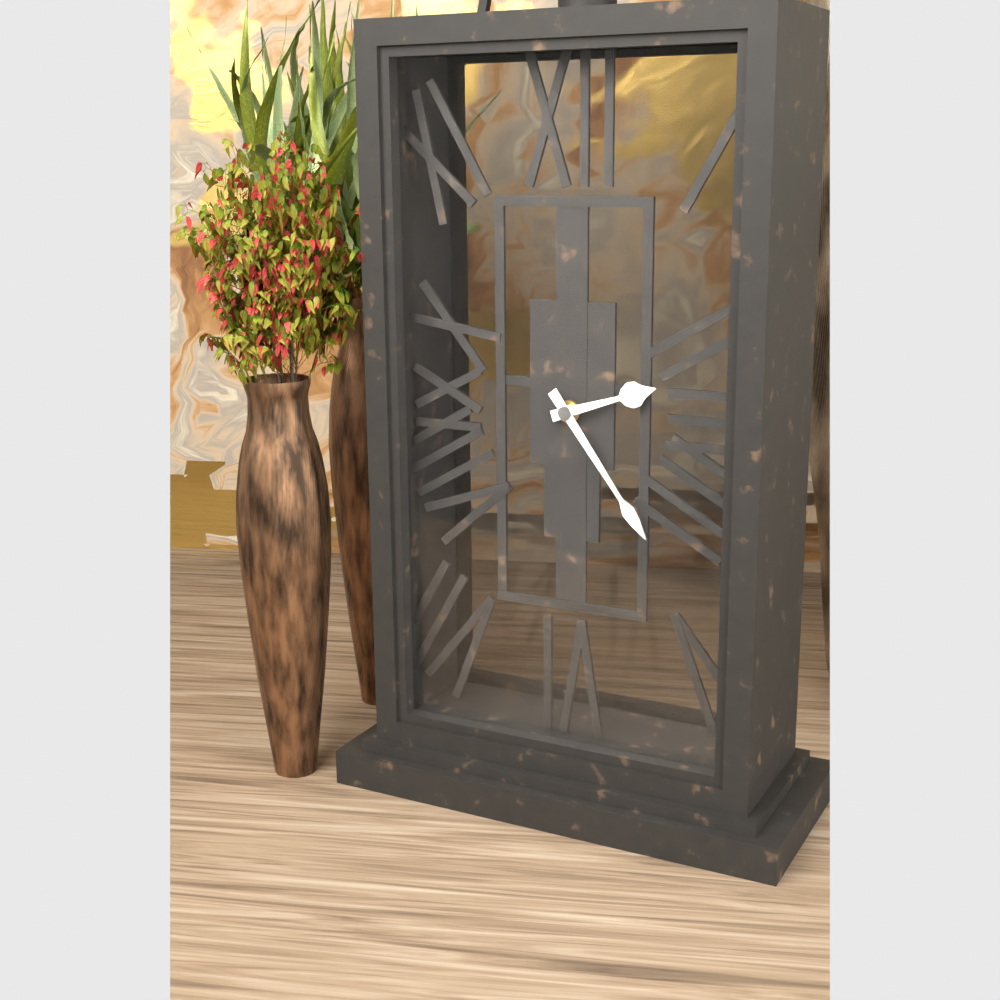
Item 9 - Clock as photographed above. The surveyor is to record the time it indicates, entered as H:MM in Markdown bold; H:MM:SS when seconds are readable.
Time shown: **2:24**
